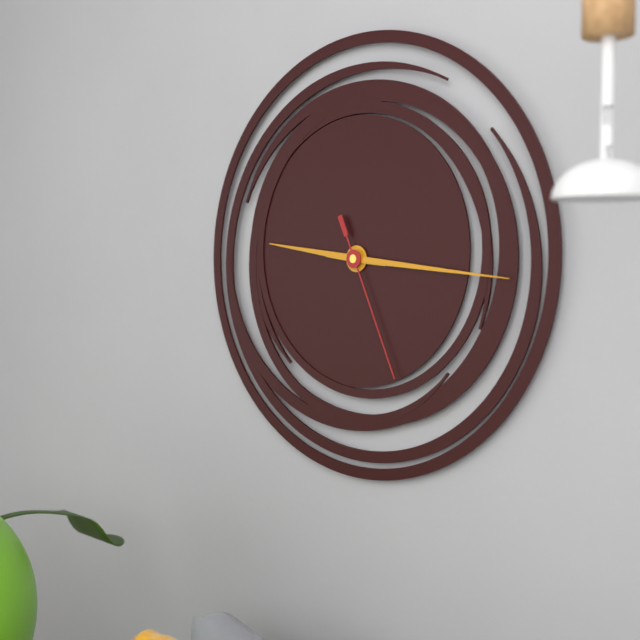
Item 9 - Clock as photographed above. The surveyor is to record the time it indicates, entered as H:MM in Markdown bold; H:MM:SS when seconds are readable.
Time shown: **9:16:26**
